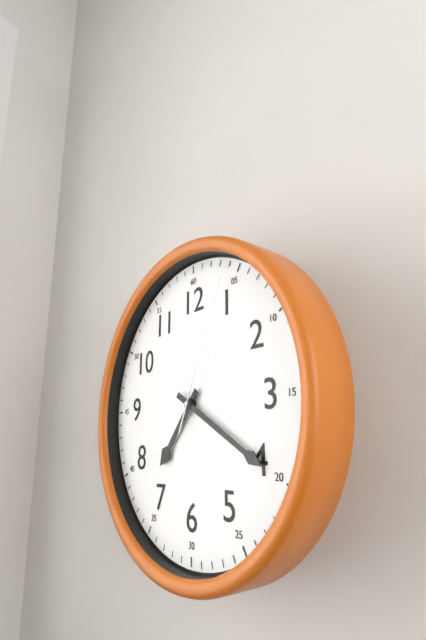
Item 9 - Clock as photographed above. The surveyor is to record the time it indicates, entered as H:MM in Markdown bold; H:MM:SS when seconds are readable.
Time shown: **7:20:04**
